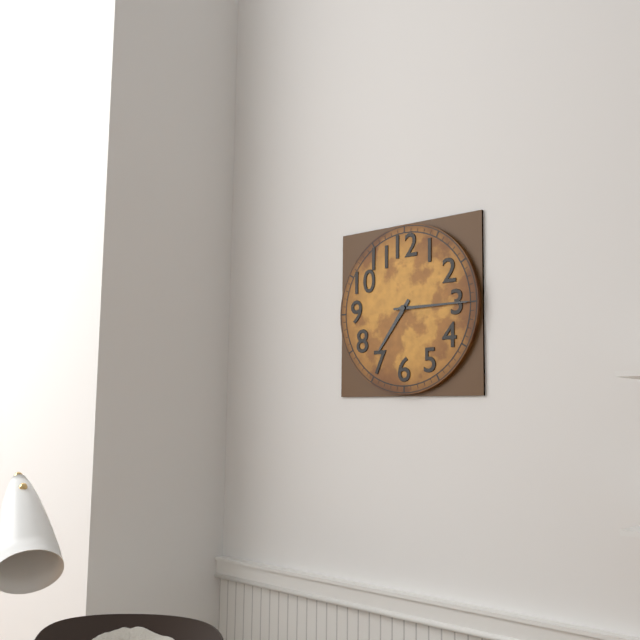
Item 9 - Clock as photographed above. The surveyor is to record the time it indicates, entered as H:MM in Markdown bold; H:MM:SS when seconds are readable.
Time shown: **7:15**
